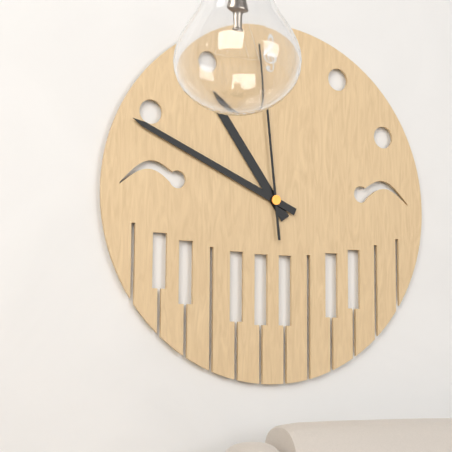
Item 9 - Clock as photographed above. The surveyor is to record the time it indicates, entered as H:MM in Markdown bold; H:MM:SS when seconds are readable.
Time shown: **10:49:59**
